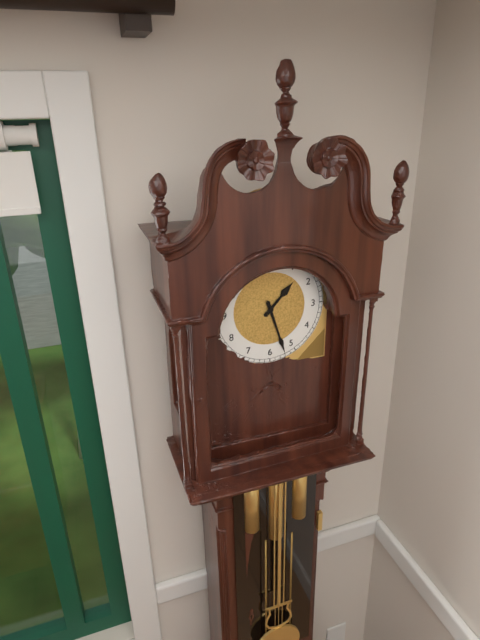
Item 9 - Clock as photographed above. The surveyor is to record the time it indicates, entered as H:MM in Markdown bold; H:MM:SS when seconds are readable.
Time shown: **1:27**
